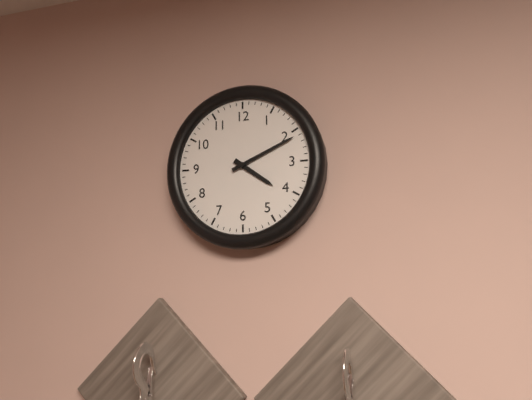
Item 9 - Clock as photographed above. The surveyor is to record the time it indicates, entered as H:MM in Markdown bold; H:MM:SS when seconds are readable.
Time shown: **4:11**
